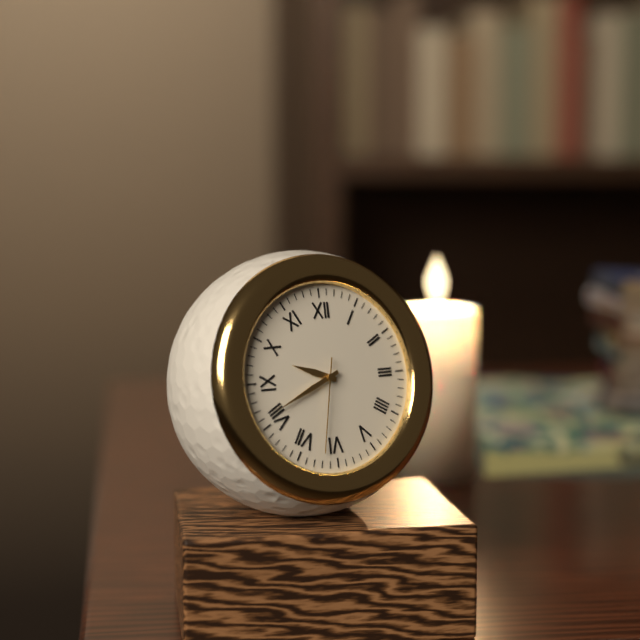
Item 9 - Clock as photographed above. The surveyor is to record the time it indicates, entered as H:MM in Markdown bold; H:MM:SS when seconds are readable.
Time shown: **9:41:32**
